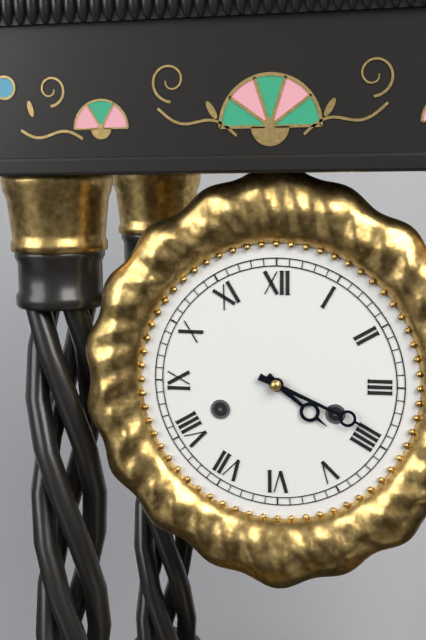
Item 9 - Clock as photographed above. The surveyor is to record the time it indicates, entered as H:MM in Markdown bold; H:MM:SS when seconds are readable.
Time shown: **4:19**
